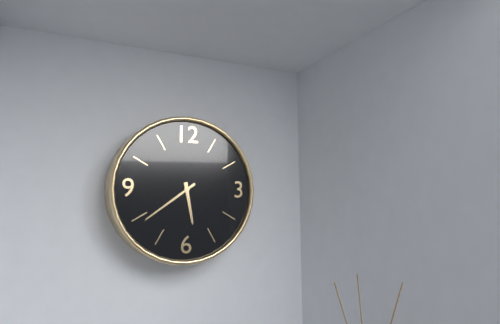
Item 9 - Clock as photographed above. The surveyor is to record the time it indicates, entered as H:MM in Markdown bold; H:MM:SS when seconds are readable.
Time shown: **5:39**
